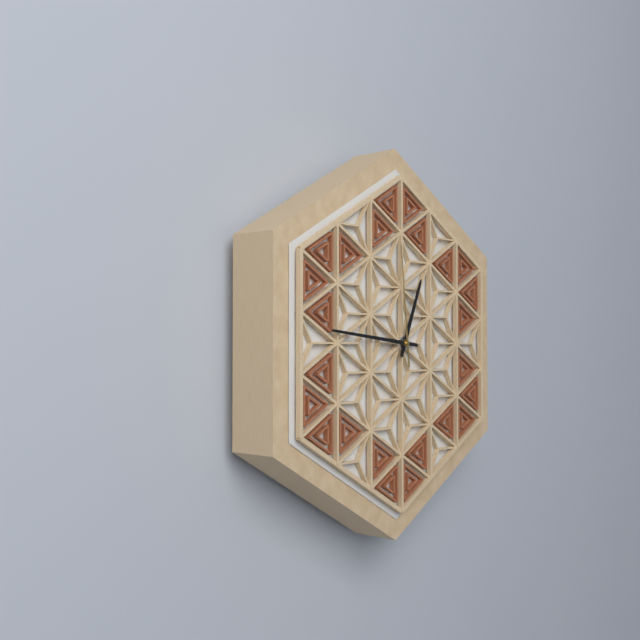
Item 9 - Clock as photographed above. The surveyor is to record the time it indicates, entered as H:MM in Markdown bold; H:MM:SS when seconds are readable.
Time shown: **12:46:59**
